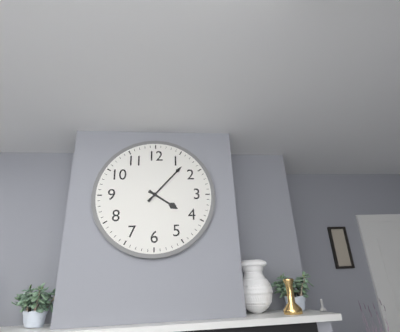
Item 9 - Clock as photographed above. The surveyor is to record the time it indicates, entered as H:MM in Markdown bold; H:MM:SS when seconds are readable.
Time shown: **4:07**
